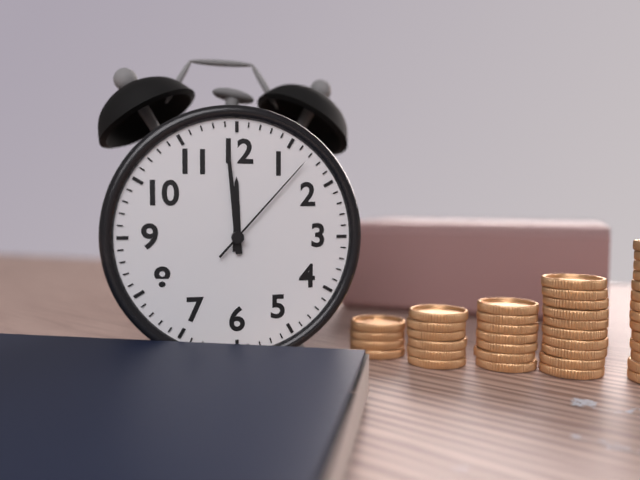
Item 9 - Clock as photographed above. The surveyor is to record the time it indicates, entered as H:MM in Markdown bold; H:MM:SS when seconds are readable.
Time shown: **11:59:07**
